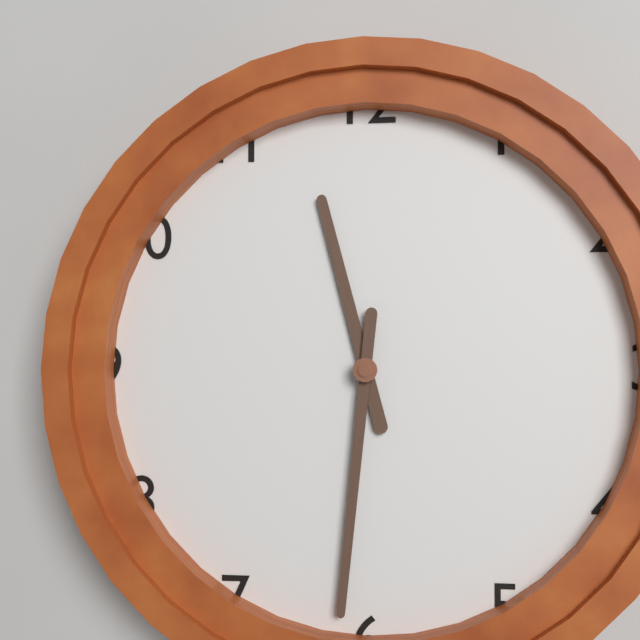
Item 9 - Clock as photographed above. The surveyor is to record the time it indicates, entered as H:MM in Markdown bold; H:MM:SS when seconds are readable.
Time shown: **11:31**
